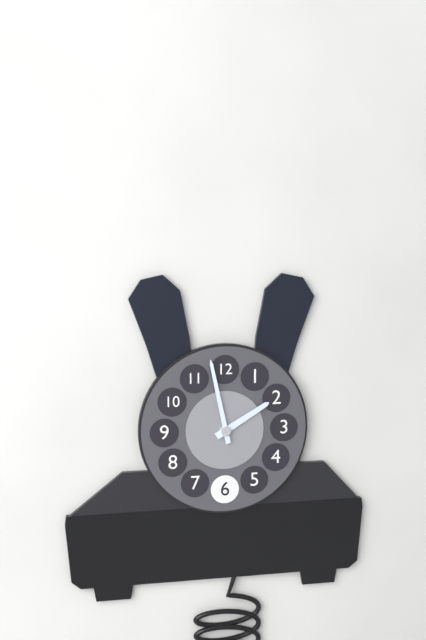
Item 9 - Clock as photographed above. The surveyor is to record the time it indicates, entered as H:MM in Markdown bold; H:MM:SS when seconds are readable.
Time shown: **1:58**
